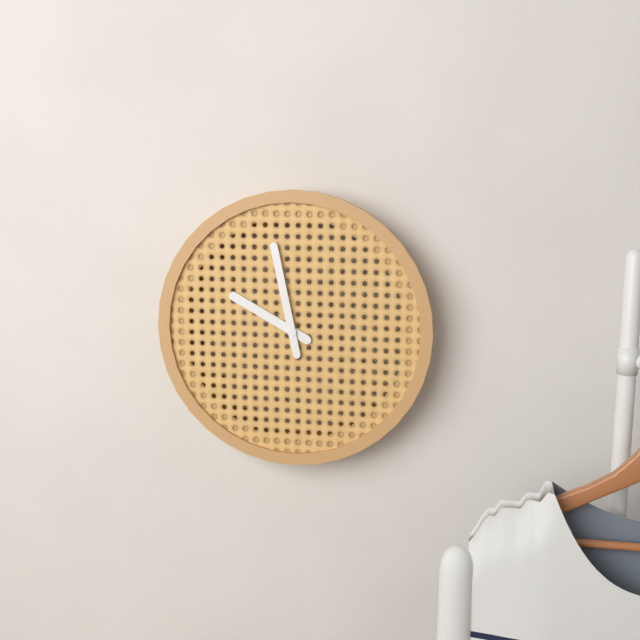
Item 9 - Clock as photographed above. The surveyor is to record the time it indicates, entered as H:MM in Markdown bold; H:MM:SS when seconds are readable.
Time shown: **9:58**
